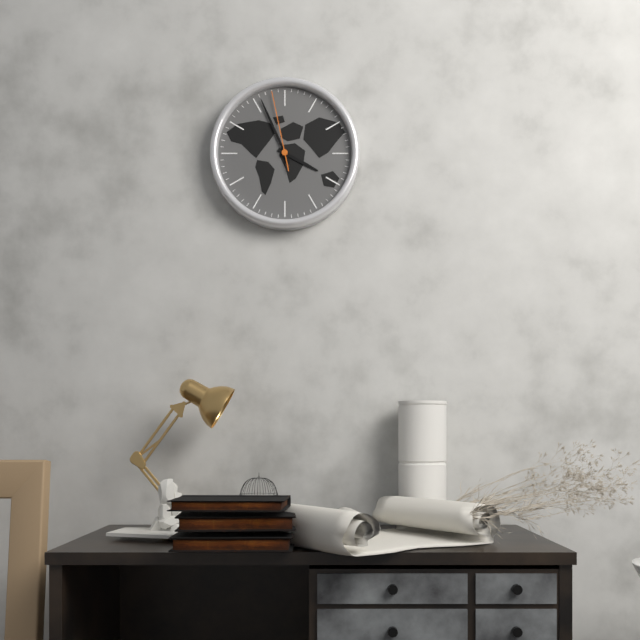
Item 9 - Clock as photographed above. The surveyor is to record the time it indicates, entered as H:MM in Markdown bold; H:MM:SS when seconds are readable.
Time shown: **3:56:58**
